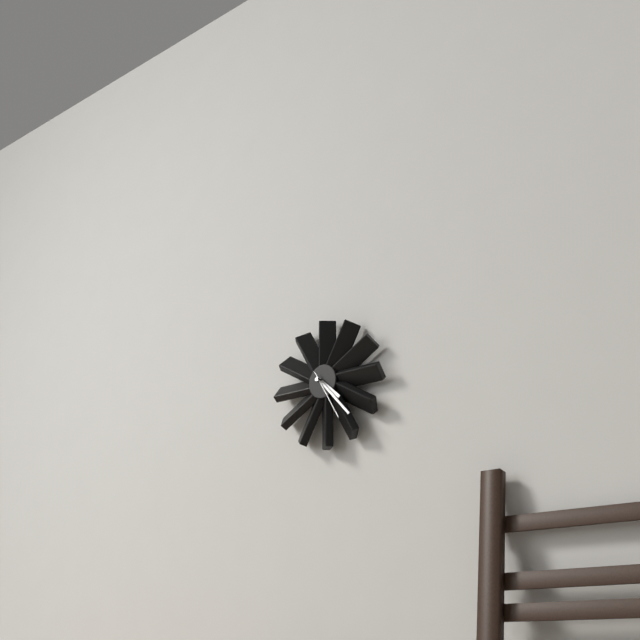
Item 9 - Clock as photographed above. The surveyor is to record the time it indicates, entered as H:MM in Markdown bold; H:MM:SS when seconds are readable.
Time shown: **4:23:25**
